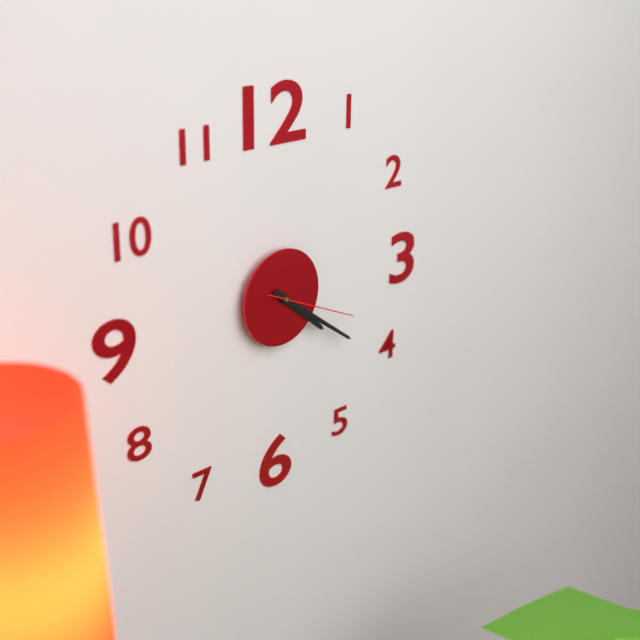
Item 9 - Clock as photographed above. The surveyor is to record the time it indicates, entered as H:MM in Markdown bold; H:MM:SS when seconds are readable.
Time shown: **4:21:19**
